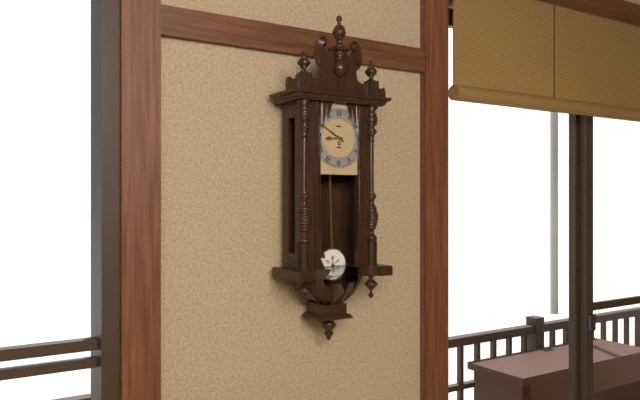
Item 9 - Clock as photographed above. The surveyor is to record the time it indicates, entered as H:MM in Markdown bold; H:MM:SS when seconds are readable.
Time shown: **8:50**
